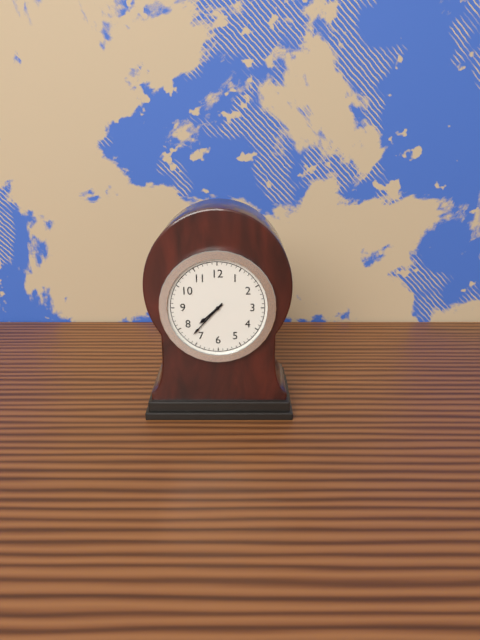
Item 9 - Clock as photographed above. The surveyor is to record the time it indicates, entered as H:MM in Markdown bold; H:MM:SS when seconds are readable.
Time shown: **7:37**
